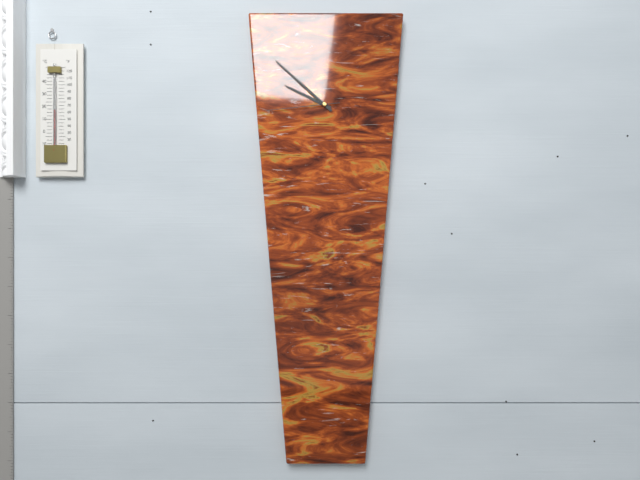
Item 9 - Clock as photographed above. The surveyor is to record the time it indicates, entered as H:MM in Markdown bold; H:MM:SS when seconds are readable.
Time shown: **9:52:44**
